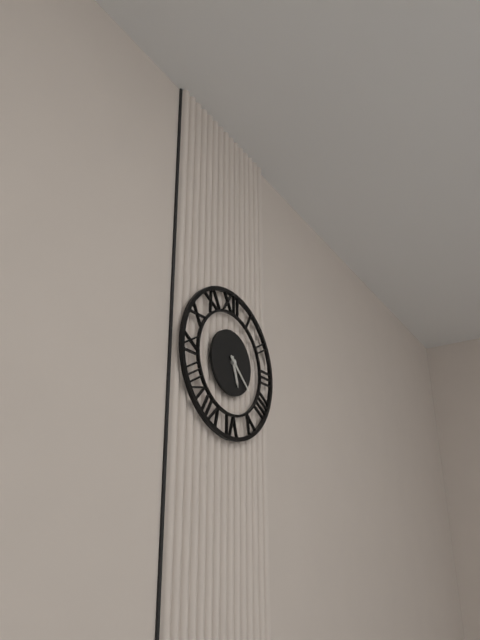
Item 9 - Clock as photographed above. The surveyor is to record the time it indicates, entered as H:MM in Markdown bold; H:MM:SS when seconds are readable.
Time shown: **5:22**
